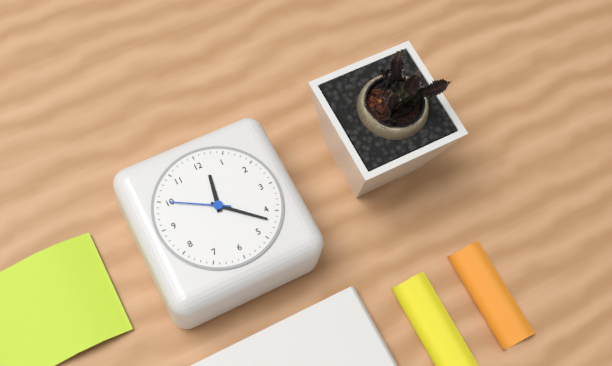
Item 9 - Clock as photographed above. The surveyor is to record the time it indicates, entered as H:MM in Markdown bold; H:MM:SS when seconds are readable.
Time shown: **12:22:50**
